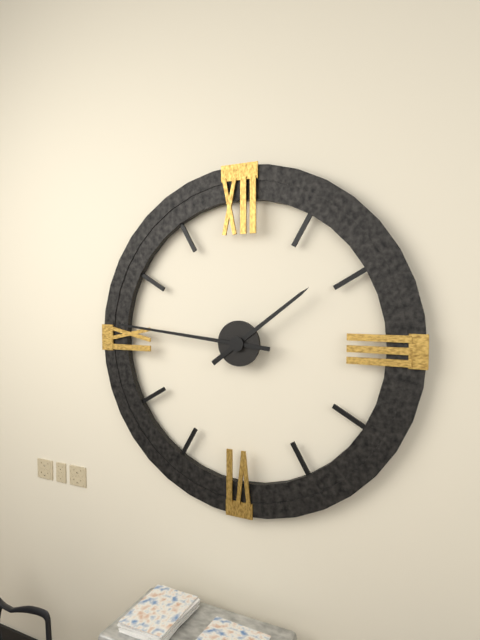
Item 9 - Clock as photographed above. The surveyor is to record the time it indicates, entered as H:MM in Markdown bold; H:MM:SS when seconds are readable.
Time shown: **1:46**
